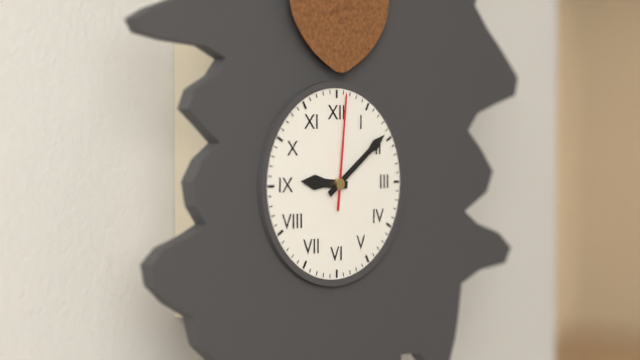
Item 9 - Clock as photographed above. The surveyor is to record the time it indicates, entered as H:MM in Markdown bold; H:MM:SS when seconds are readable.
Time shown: **9:09:01**
